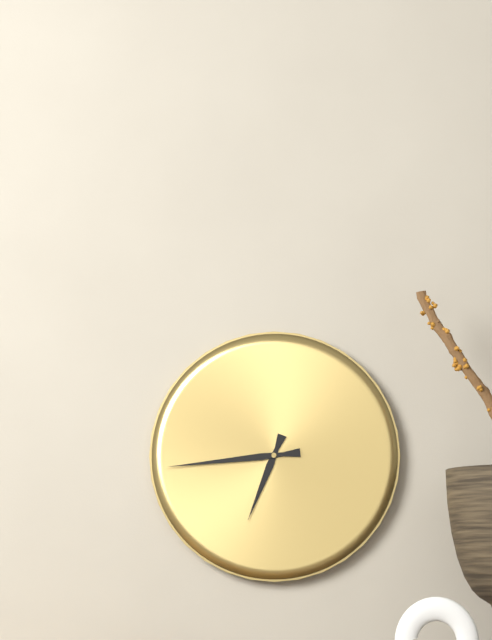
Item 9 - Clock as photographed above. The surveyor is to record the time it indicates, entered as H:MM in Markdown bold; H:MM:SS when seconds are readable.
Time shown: **6:44**
